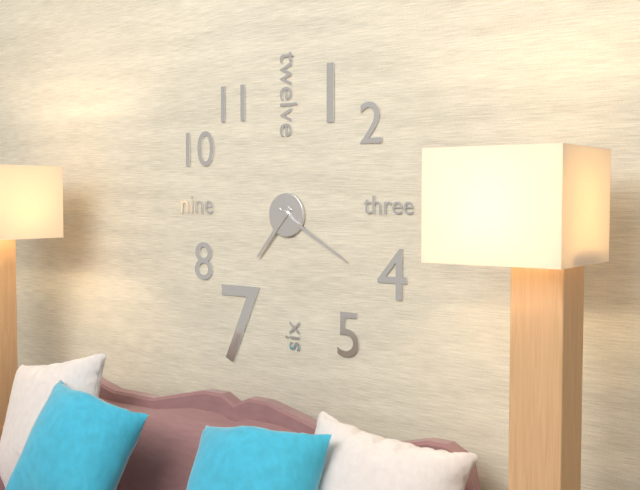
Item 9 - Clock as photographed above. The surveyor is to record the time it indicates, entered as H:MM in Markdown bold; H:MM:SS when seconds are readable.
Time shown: **7:20**
